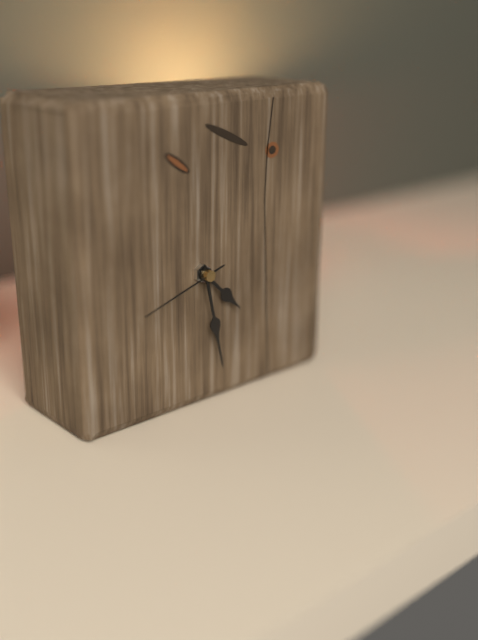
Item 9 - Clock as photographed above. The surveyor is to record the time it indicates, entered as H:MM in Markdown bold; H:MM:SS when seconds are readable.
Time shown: **4:28:42**
